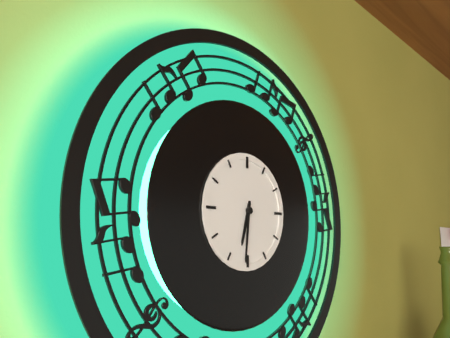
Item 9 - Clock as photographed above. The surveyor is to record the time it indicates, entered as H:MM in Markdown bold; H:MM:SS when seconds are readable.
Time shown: **6:31**
